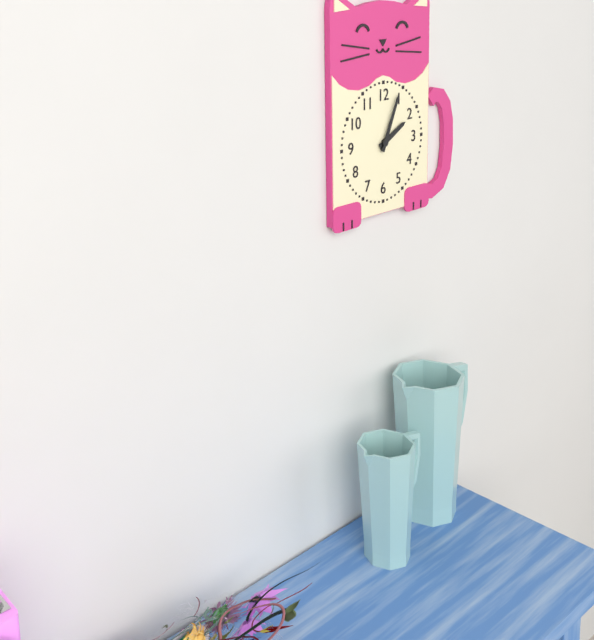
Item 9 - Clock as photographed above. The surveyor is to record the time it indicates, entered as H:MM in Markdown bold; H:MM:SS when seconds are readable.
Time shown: **2:04**
